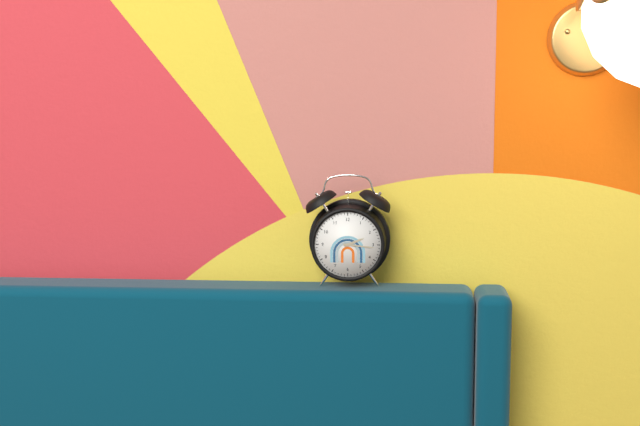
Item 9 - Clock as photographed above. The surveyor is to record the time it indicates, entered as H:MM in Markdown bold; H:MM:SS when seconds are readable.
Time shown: **2:16**
